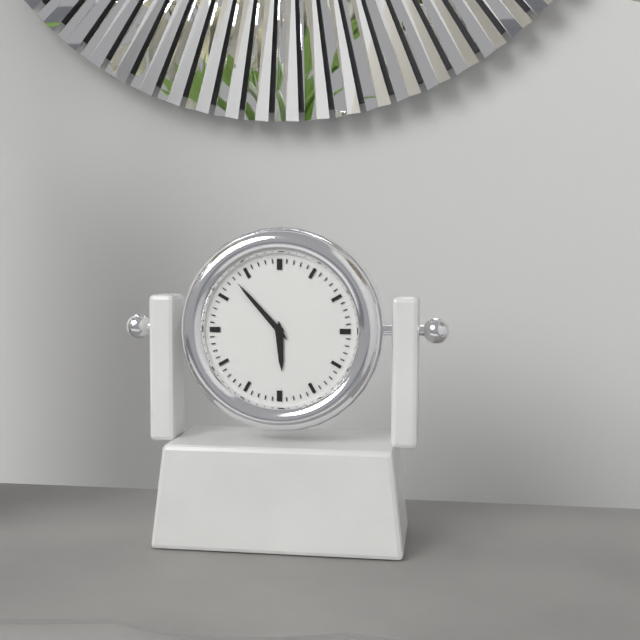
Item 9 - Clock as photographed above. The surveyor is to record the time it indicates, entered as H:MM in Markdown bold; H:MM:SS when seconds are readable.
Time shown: **5:53**
